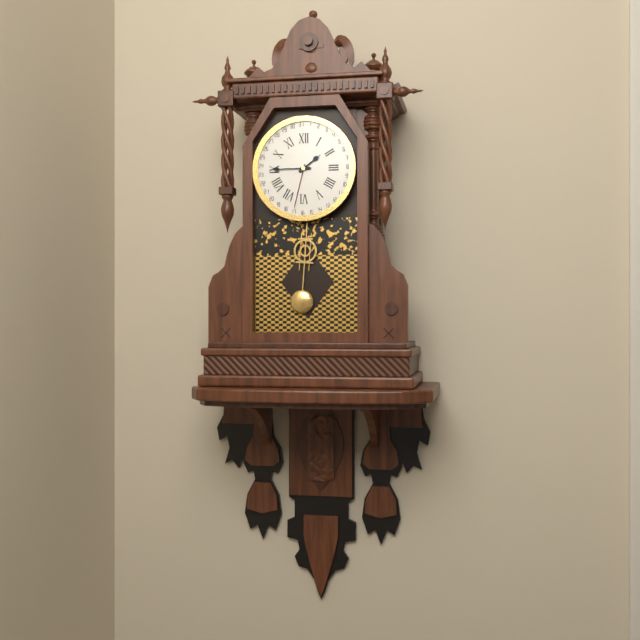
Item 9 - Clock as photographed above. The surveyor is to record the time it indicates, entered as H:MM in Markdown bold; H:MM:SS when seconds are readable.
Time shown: **1:45**
